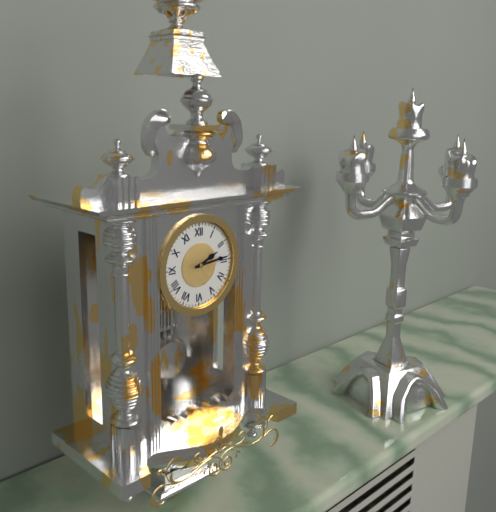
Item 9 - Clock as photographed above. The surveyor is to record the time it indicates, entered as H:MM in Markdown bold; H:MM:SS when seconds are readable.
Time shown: **2:14**
